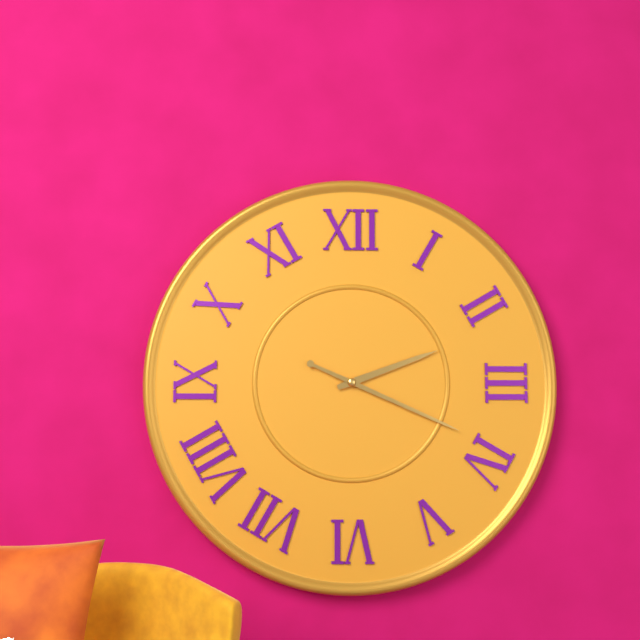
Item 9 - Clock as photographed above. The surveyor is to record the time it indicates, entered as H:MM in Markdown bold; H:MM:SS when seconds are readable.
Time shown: **2:19**
